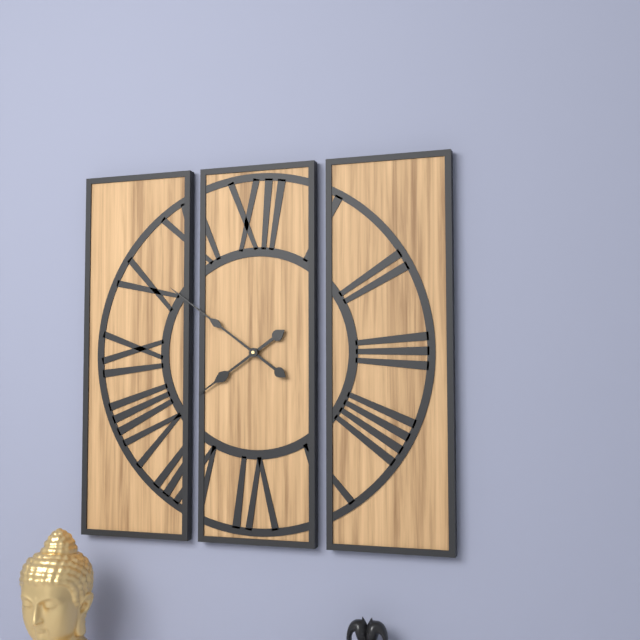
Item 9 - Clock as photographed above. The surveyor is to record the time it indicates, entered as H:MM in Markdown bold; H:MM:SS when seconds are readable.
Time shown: **7:51**
